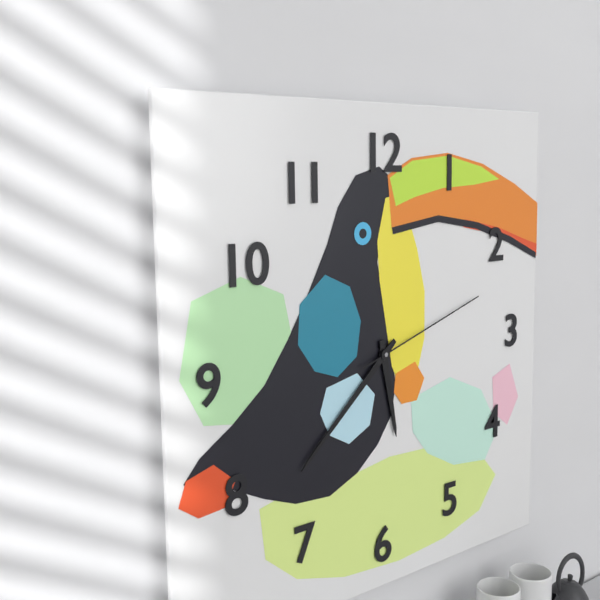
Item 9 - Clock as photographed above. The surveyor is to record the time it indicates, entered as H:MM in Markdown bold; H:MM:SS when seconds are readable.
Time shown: **5:38:12**
